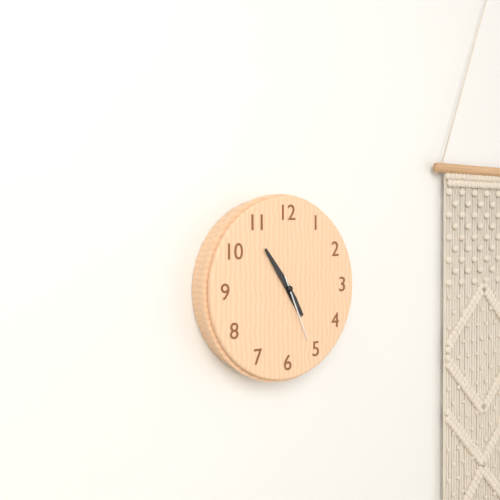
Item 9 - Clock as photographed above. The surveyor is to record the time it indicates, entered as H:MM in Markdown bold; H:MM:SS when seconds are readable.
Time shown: **4:54:26**
